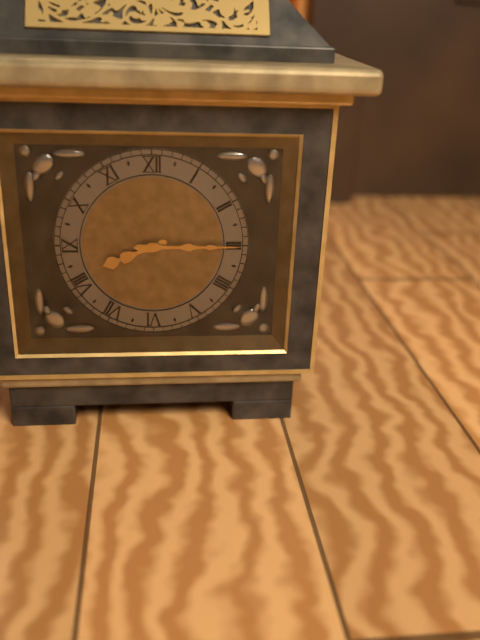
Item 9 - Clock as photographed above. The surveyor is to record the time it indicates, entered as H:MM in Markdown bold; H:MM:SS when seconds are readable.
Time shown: **8:15**
